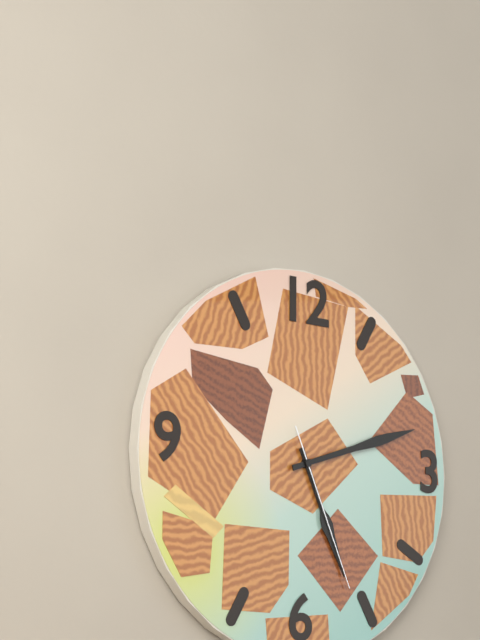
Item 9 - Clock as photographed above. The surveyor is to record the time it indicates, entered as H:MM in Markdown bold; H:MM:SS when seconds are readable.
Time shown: **5:12:26**
